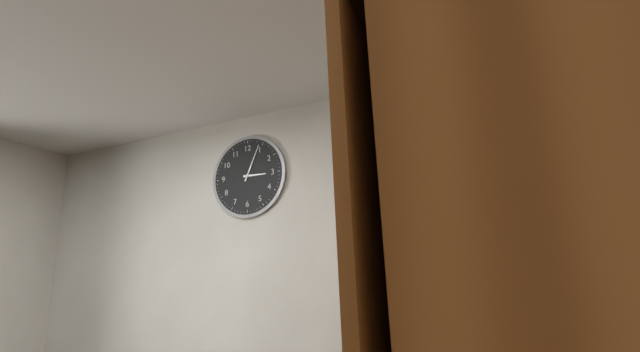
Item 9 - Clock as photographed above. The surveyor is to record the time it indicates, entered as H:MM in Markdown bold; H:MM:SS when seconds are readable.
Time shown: **3:04**
